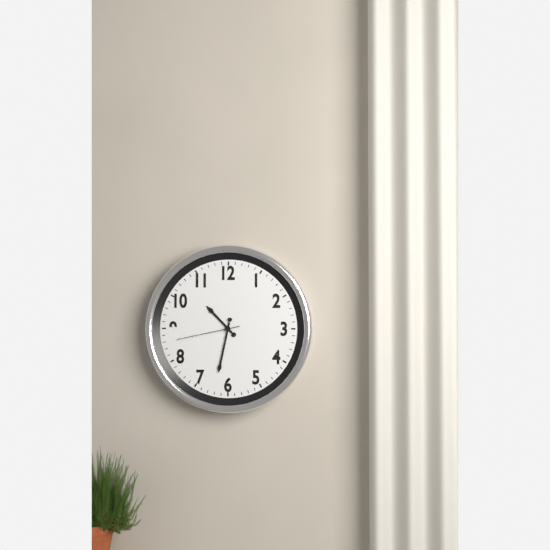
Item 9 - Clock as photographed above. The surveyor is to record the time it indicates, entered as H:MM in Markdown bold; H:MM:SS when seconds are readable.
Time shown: **10:32:43**
